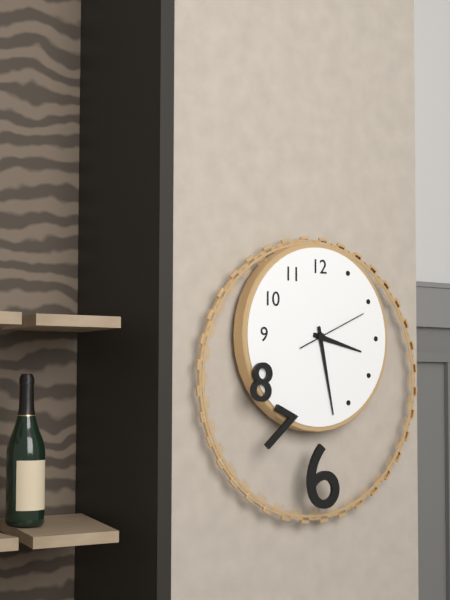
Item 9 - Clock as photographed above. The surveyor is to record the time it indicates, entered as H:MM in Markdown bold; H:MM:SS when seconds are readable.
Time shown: **3:28:11**
